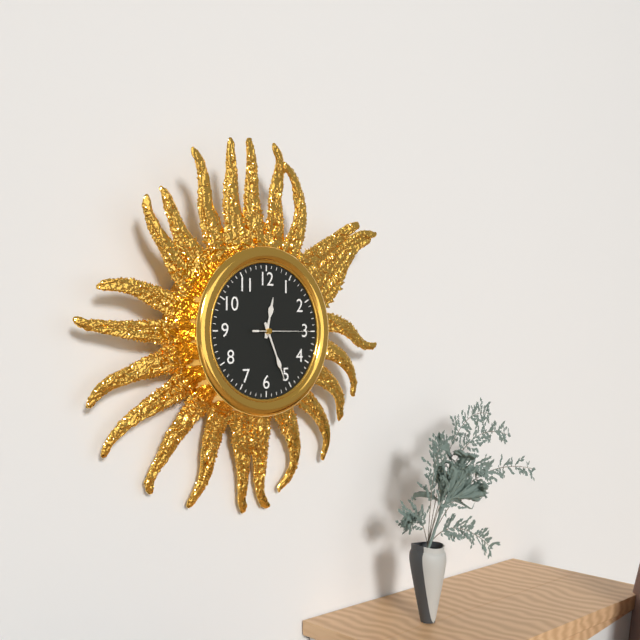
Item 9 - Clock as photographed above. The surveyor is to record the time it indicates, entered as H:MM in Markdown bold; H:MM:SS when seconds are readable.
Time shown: **12:26:15**
